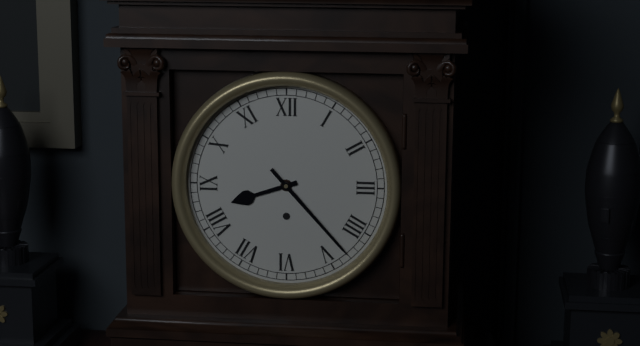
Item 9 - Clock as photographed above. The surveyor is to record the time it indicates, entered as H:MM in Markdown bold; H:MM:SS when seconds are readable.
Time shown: **8:23**
